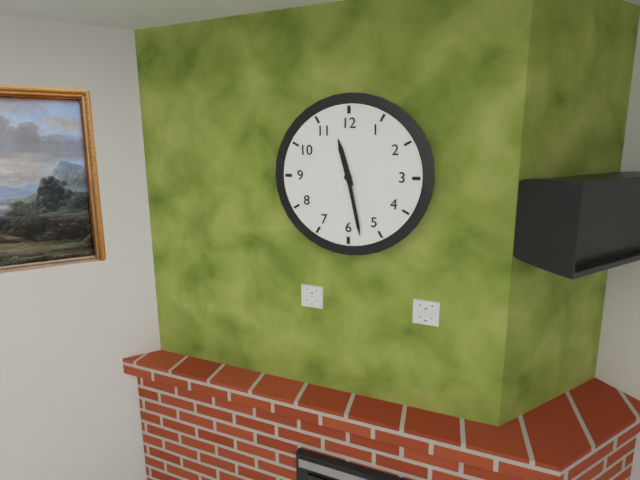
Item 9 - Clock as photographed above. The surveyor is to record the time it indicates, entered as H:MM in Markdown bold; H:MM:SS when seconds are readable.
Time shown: **11:28**
